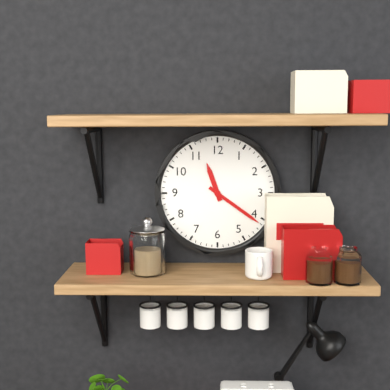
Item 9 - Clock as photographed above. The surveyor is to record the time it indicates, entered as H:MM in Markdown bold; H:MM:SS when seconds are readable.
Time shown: **11:21**
